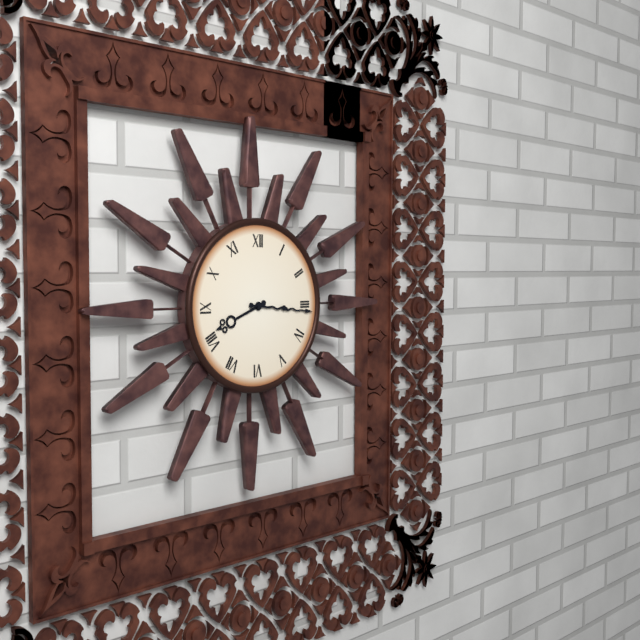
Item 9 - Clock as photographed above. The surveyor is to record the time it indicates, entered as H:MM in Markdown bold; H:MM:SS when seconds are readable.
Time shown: **8:16**
